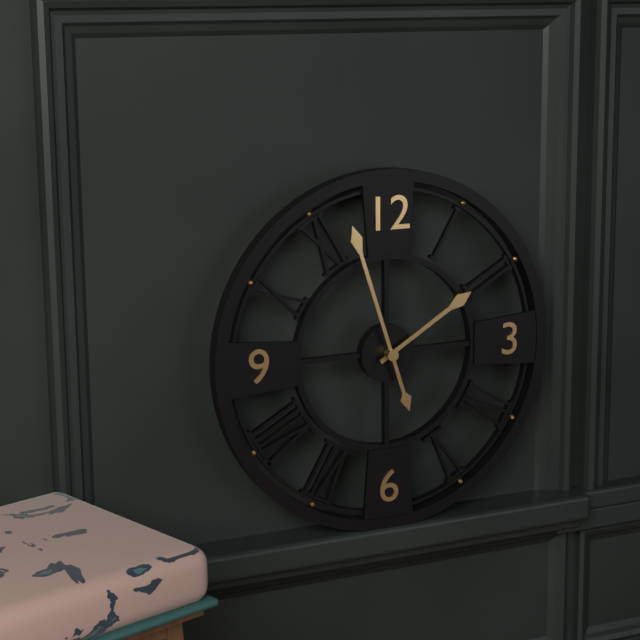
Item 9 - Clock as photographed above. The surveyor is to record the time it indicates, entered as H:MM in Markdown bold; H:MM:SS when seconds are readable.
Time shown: **1:57**
